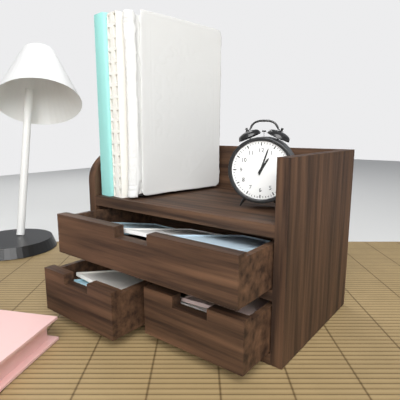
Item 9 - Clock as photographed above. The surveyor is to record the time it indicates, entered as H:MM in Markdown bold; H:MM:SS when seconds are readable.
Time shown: **1:03**
